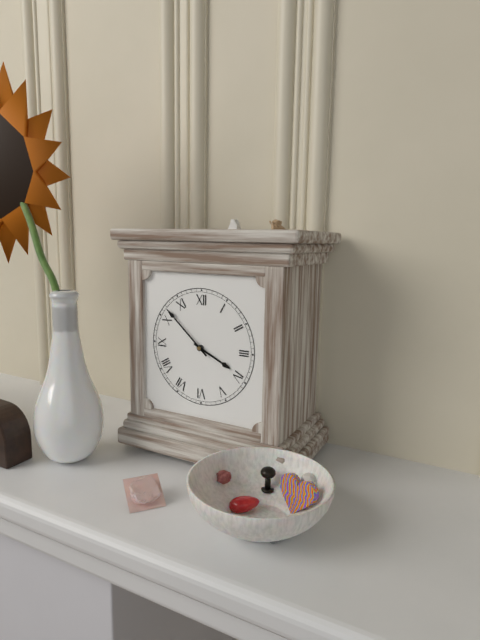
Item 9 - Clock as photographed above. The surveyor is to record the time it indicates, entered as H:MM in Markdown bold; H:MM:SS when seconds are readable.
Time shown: **3:52**
